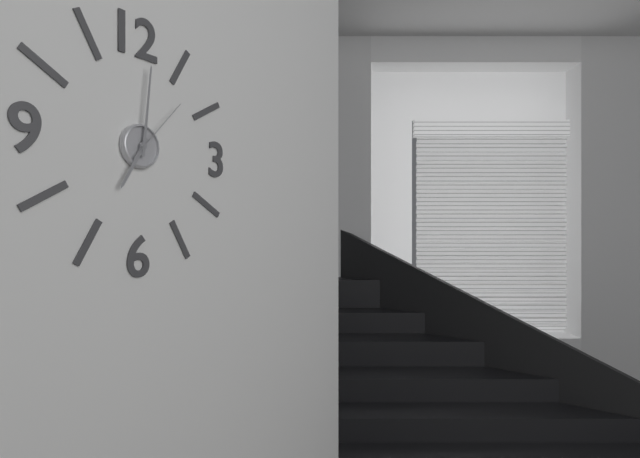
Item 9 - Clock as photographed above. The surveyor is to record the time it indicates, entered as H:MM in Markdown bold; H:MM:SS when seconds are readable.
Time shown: **7:01:07**
